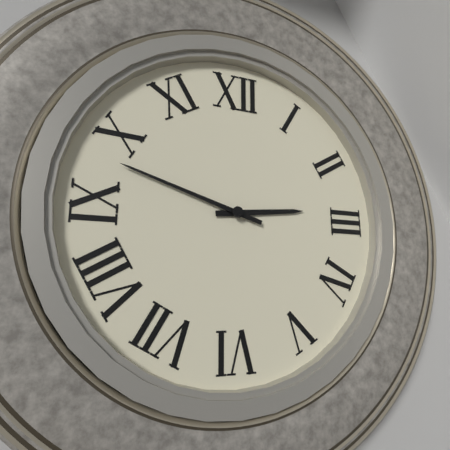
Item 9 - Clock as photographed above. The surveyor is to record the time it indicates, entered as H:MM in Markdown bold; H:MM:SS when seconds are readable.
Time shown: **2:48**
